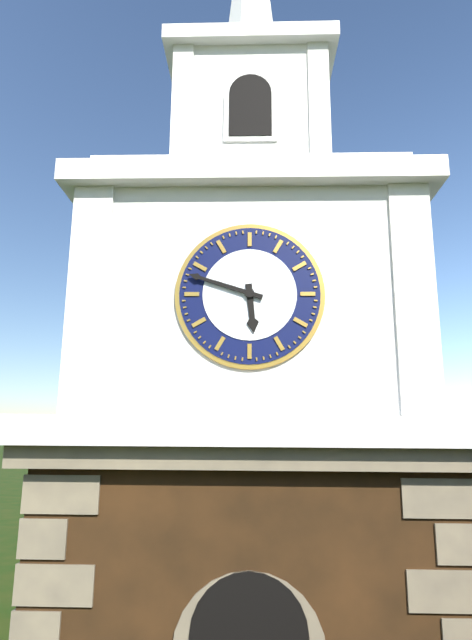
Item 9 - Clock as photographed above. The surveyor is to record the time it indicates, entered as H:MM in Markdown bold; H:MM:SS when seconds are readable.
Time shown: **5:48**
